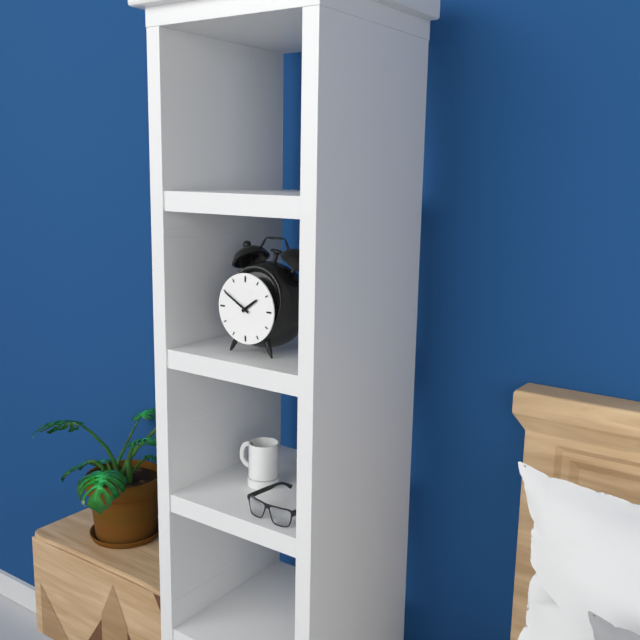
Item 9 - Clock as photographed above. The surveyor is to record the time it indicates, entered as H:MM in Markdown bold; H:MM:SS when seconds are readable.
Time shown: **1:50**
